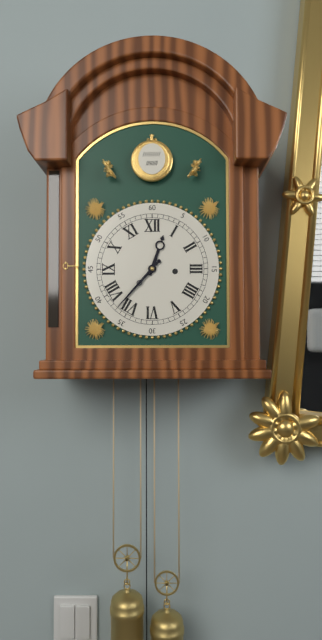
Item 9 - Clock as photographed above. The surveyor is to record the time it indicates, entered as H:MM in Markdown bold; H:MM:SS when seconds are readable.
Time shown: **12:37**
